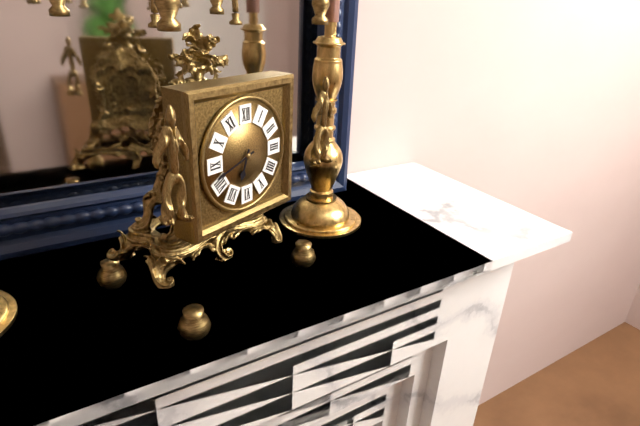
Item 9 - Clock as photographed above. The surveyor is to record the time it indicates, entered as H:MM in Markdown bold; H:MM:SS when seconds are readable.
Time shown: **6:42**
